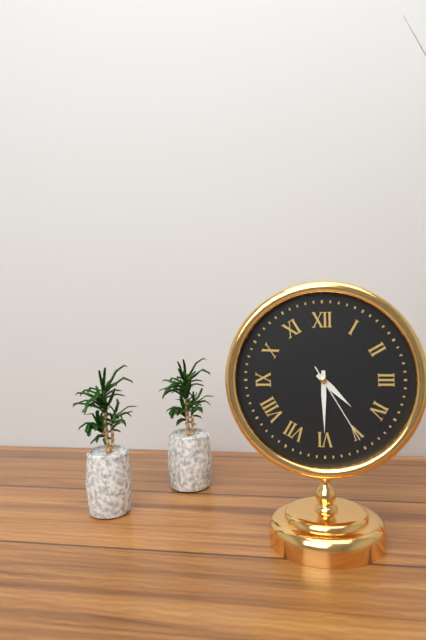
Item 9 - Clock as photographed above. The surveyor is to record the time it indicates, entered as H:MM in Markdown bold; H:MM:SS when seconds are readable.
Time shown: **4:30:25**
